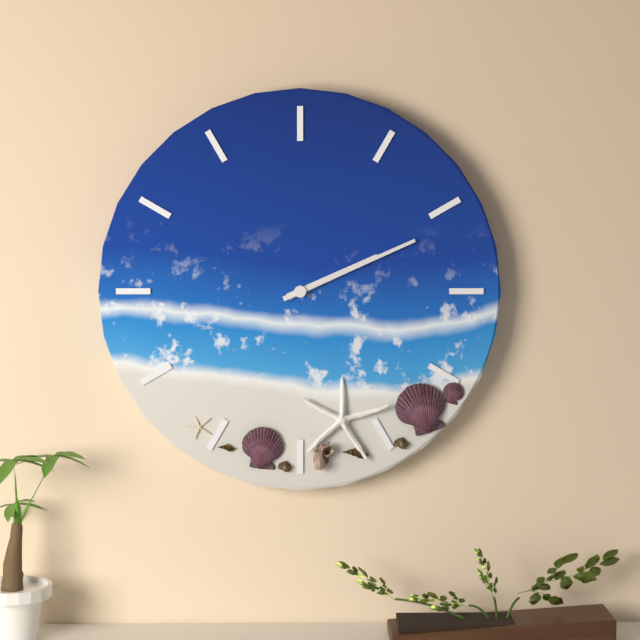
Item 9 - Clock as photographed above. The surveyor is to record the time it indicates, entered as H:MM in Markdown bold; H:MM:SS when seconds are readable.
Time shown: **2:11**
